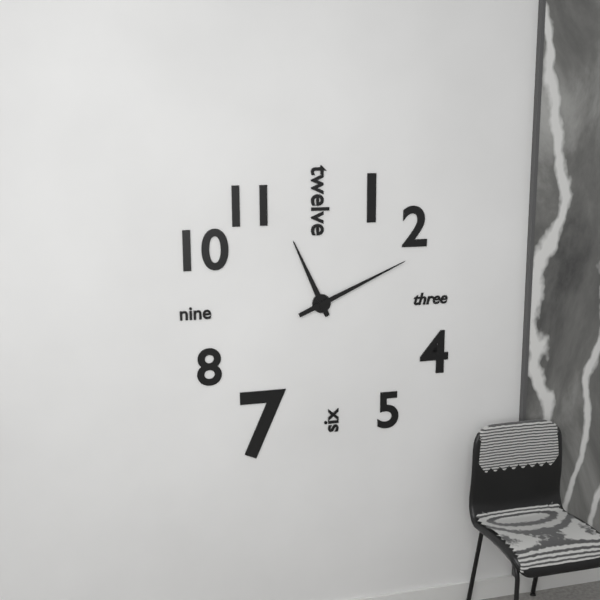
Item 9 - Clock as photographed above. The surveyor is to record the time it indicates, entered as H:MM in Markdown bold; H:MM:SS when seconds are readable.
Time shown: **11:11**
